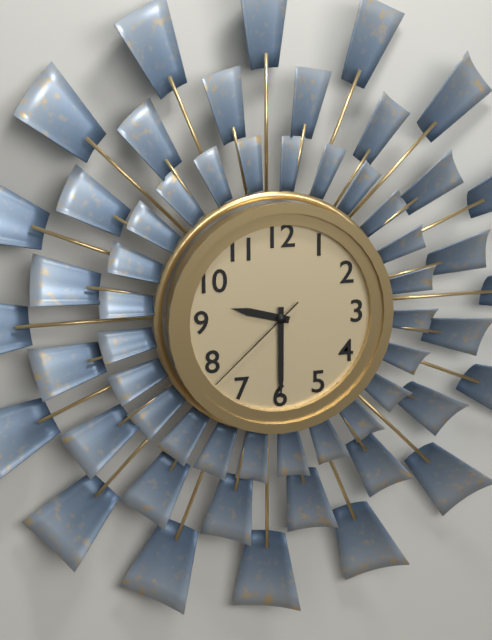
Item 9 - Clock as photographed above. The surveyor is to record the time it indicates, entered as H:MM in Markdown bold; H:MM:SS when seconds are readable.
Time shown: **9:30:38**
